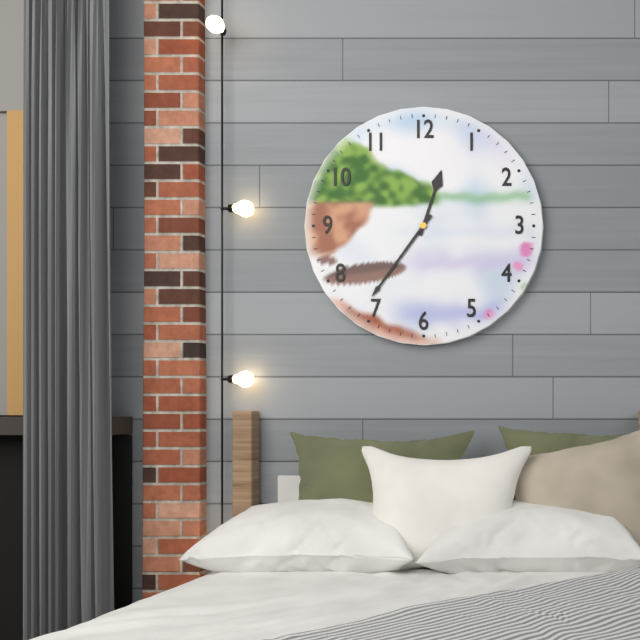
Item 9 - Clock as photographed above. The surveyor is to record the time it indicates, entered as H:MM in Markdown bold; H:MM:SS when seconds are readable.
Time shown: **12:36**
